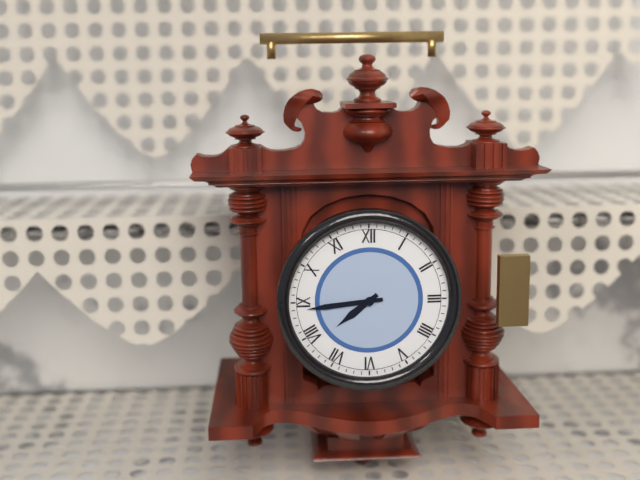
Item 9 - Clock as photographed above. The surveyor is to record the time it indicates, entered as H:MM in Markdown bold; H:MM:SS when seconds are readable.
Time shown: **7:44**
